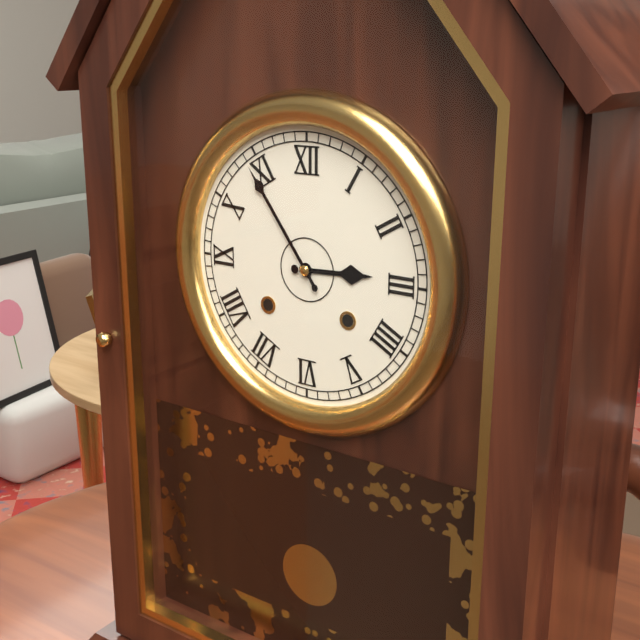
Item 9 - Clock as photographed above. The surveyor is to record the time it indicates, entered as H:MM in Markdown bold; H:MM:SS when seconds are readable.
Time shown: **2:54**
